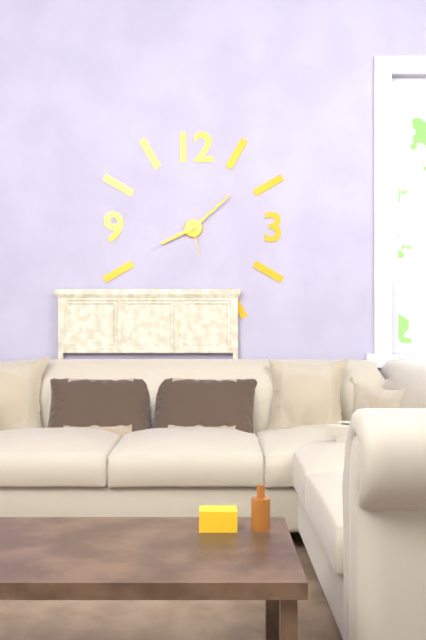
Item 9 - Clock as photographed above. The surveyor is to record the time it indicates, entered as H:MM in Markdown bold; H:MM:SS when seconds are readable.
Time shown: **8:08**
